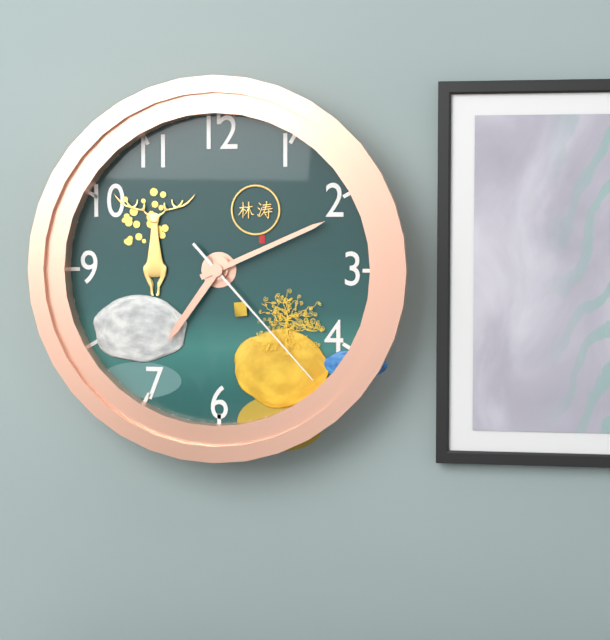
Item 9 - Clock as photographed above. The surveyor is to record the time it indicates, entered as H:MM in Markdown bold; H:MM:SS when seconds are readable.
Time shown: **7:11:23**
